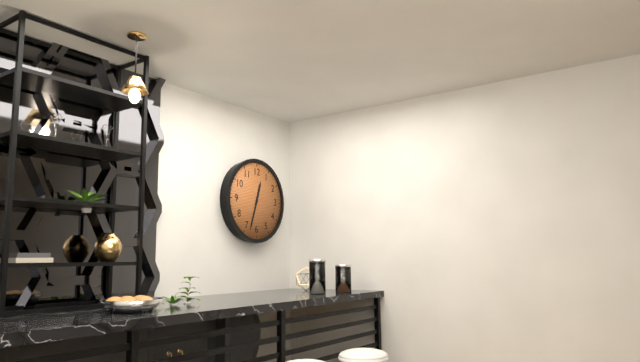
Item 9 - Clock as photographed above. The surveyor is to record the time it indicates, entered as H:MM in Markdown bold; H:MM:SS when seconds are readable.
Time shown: **12:33**
